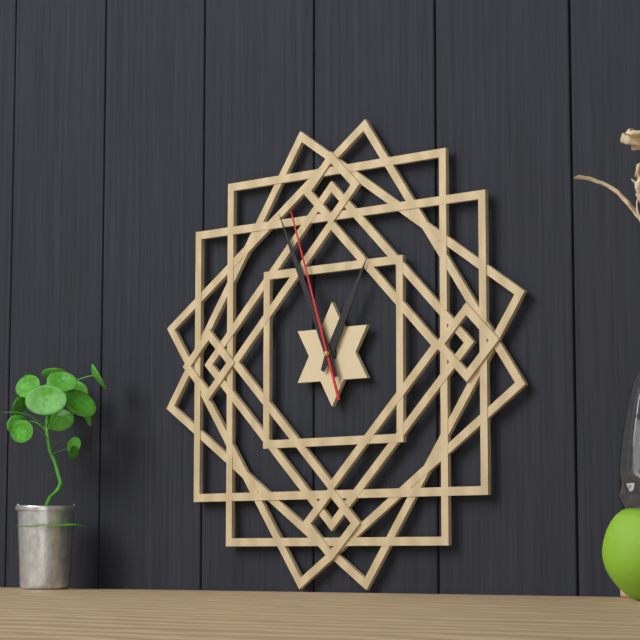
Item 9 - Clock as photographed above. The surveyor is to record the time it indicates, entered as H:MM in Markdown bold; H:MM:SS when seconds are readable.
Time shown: **12:56:57**
